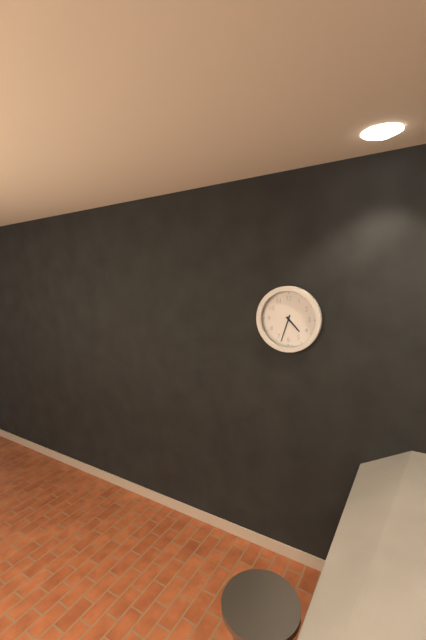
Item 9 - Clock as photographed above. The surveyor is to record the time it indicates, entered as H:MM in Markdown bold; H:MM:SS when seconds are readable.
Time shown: **4:33**
